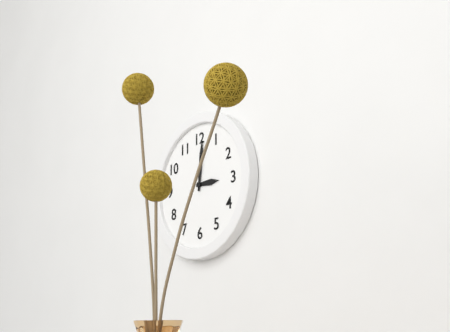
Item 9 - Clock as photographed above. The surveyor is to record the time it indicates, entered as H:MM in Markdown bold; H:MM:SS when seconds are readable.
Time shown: **3:01**
